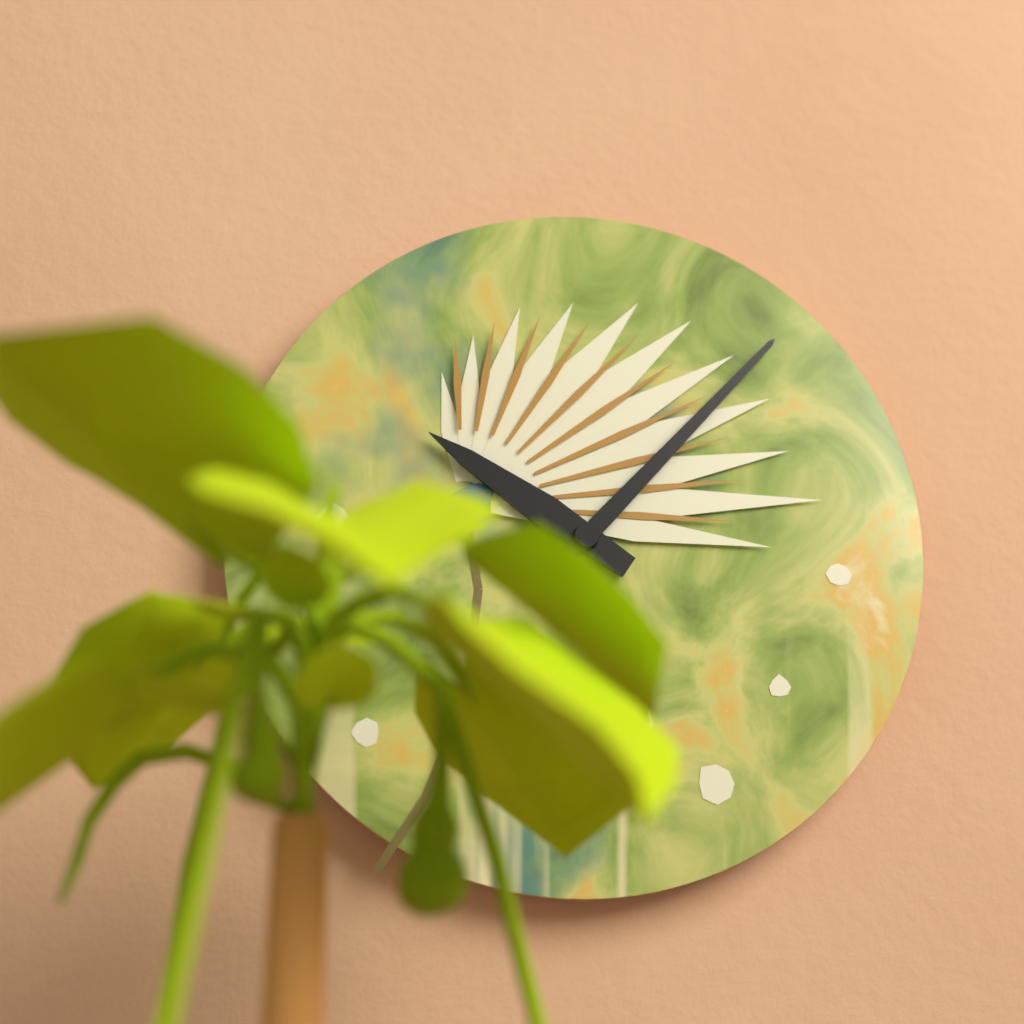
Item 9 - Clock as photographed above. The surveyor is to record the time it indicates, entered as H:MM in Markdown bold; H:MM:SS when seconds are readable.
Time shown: **10:07**
